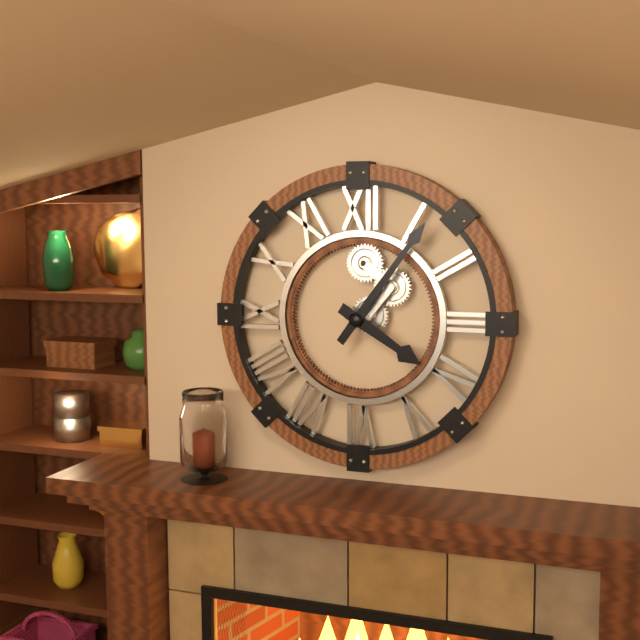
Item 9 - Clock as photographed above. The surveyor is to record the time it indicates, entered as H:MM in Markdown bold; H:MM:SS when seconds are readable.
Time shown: **4:06**
